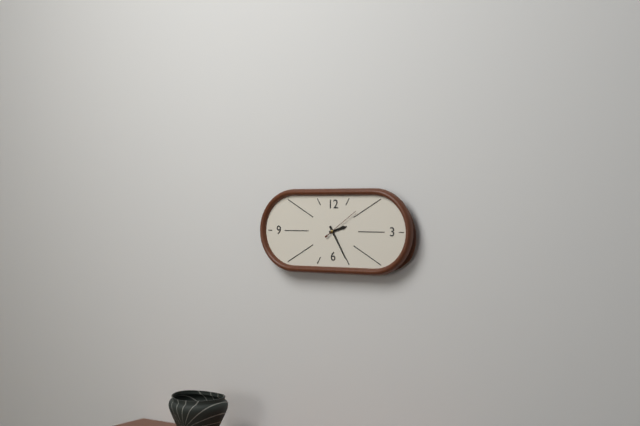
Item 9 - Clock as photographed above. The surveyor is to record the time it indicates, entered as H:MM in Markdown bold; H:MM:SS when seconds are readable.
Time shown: **2:25**
